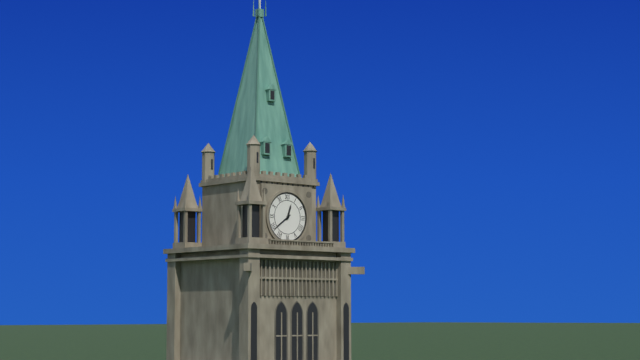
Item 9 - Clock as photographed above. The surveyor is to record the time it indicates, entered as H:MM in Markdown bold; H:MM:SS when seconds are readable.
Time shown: **12:39**
